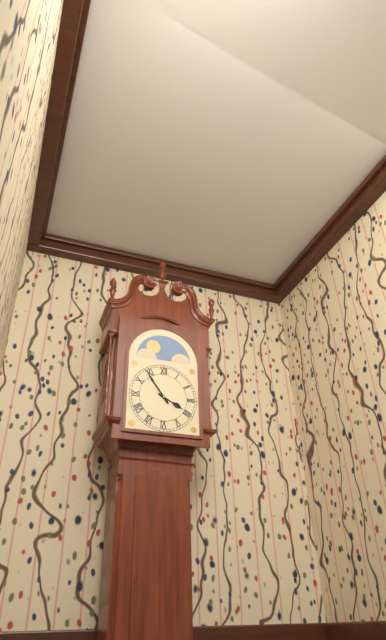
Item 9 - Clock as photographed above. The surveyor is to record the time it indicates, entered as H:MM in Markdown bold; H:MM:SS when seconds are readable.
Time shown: **3:54**
